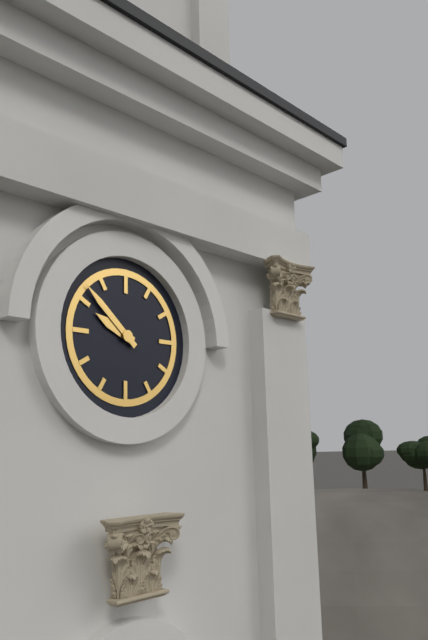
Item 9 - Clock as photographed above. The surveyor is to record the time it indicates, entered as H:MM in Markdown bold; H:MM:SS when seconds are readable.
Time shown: **9:52**
